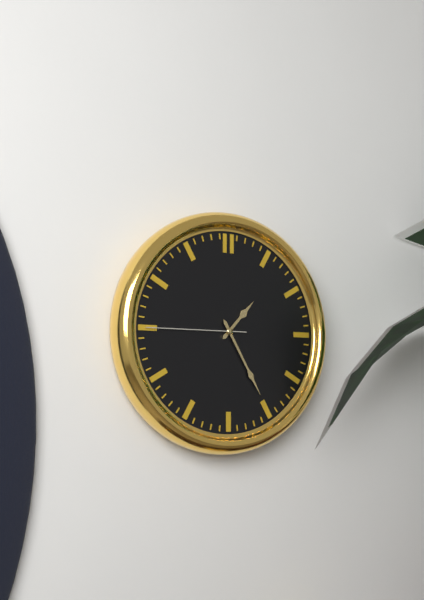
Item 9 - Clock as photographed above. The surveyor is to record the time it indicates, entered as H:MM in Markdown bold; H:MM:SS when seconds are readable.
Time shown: **1:25:45**
